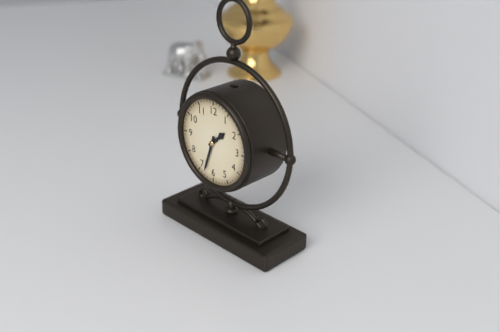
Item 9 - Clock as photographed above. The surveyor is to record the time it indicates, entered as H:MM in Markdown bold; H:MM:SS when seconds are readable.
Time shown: **1:33**
